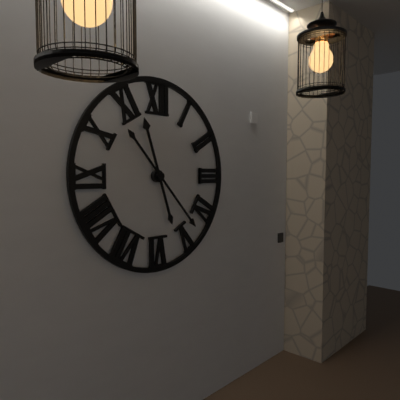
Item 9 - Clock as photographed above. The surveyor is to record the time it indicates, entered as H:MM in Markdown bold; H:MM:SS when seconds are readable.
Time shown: **11:23**
